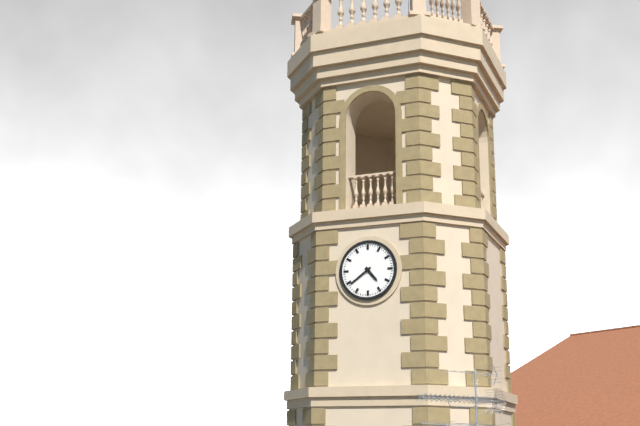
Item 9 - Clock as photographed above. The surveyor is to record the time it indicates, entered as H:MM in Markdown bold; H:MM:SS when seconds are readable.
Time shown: **4:39**
